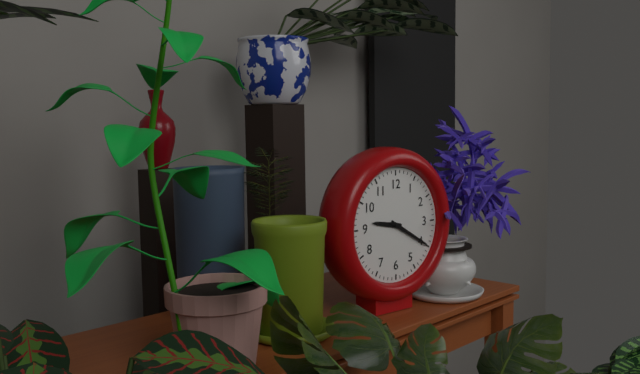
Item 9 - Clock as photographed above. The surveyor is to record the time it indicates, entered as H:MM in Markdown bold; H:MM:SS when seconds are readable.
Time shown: **9:20**
